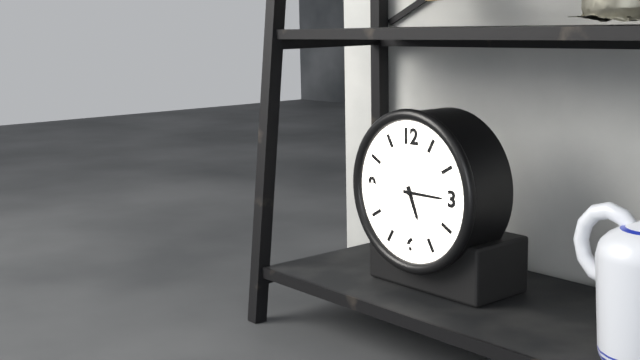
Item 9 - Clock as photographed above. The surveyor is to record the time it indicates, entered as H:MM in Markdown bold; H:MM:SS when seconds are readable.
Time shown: **5:15**
